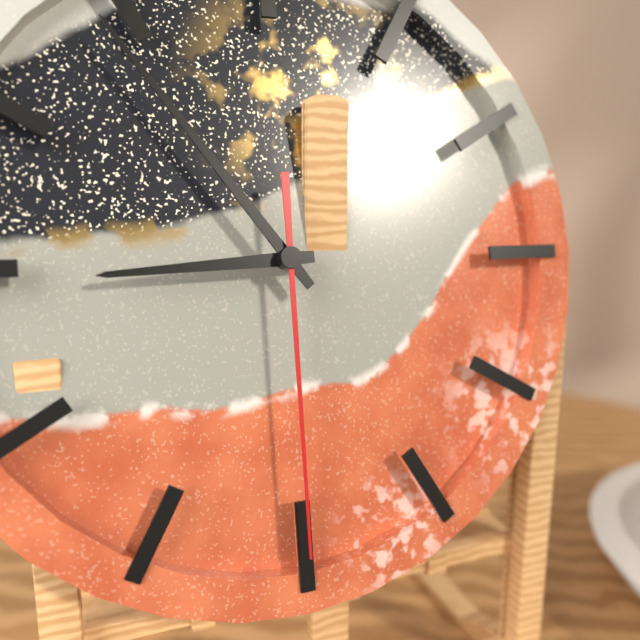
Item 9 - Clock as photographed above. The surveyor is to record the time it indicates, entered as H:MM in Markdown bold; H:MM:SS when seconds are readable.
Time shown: **8:54:30**
